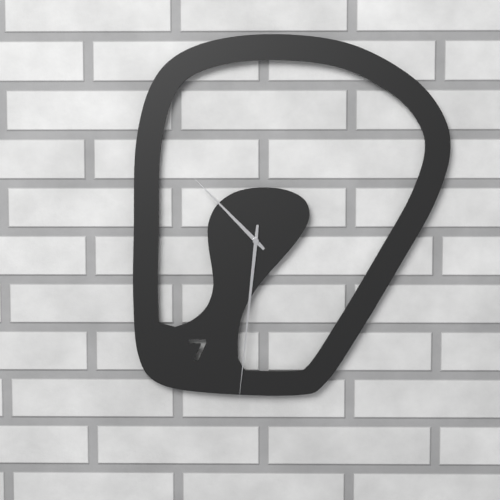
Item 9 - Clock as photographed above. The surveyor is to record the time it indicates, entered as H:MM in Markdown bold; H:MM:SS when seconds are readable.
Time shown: **10:31**
